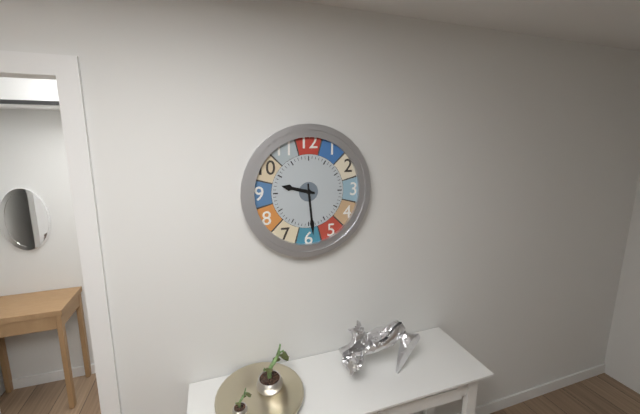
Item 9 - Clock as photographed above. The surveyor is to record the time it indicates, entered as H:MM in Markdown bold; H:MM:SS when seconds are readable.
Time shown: **9:29**
